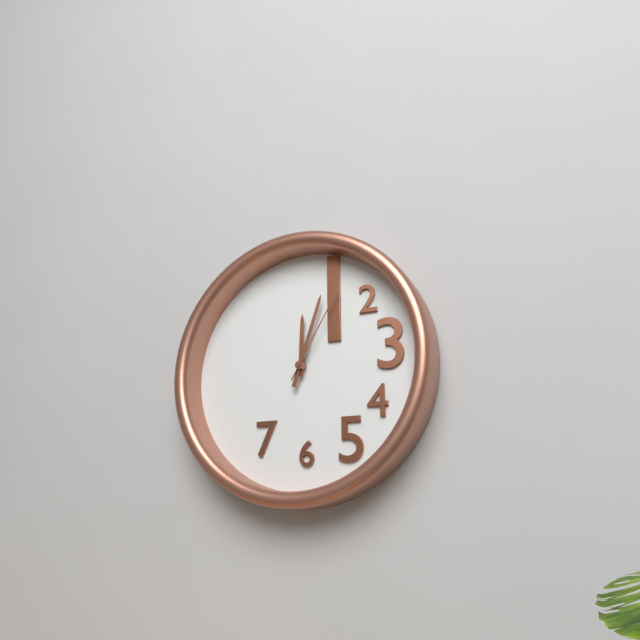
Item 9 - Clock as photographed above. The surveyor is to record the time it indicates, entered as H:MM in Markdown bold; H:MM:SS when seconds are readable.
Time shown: **12:03:05**
